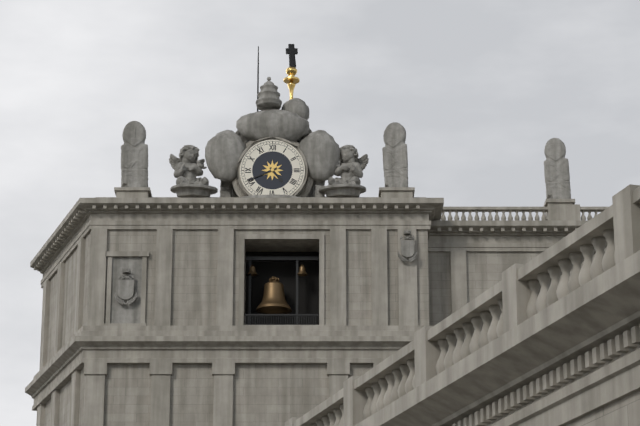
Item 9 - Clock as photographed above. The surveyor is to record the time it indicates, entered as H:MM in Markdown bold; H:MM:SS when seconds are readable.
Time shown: **4:41**
